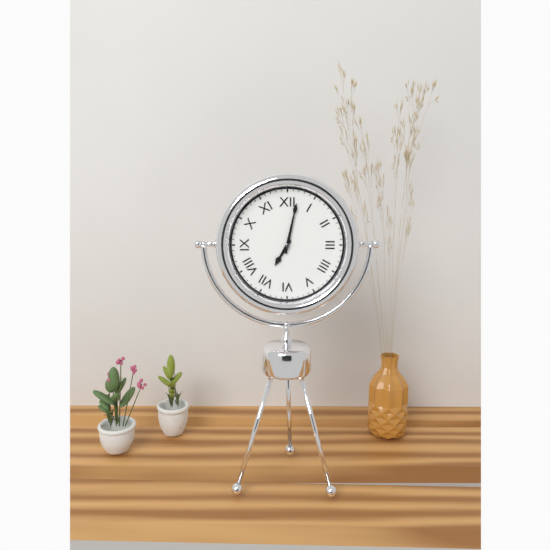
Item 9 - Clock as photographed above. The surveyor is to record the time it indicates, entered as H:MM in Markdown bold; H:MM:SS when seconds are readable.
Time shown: **7:02**
